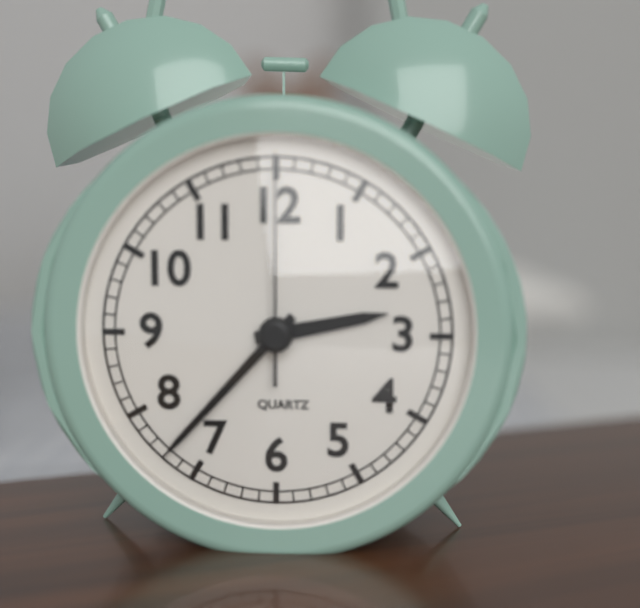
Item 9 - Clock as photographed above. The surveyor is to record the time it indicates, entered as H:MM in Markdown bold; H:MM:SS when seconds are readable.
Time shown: **2:37:00**
